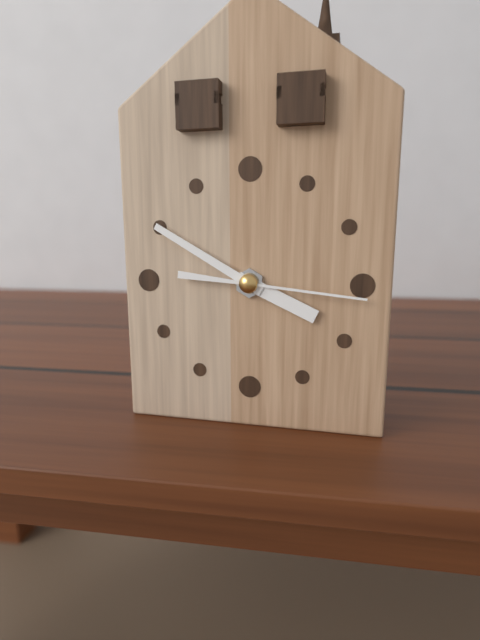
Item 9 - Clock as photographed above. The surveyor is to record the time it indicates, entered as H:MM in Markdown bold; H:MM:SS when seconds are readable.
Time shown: **3:50:16**
